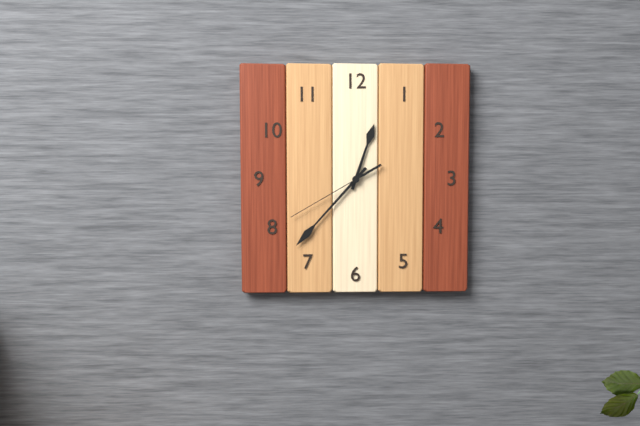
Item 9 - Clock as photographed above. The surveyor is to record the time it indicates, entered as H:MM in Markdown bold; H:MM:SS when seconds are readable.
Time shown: **12:37:40**
